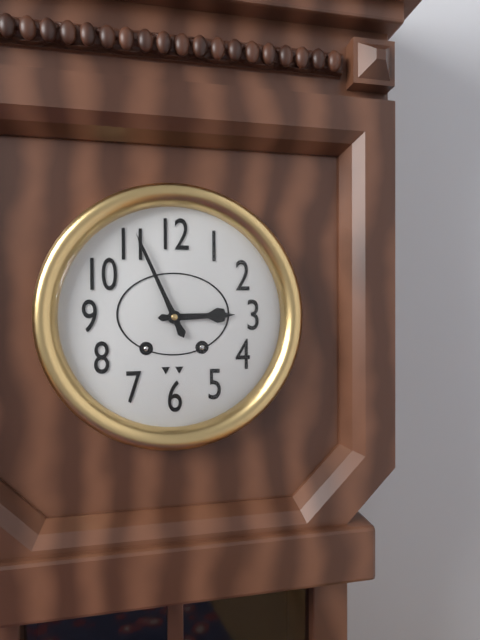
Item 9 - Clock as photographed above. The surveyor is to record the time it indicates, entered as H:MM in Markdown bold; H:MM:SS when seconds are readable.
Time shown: **2:56**
